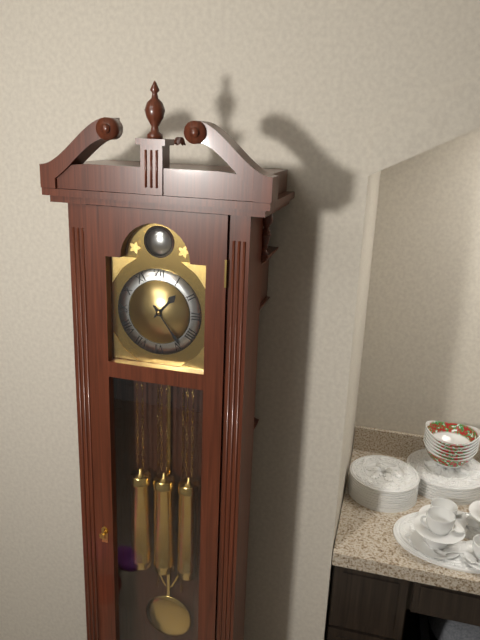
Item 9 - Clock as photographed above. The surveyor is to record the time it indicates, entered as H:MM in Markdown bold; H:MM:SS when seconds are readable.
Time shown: **1:24**
